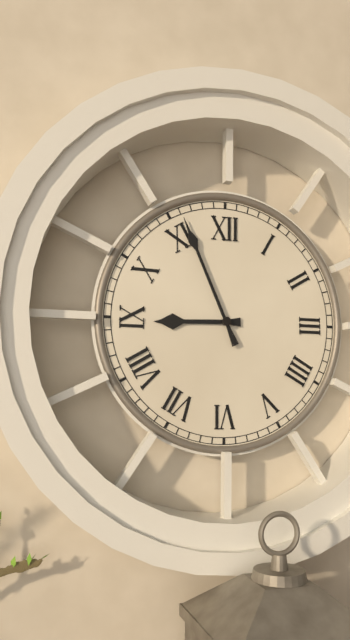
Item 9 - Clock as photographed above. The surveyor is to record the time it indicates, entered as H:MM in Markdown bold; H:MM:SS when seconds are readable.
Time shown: **8:56**
